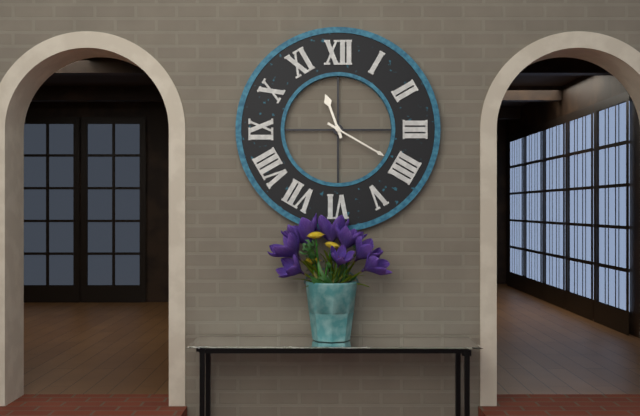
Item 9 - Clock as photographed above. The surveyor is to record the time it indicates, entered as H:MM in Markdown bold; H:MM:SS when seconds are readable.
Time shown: **11:20**
